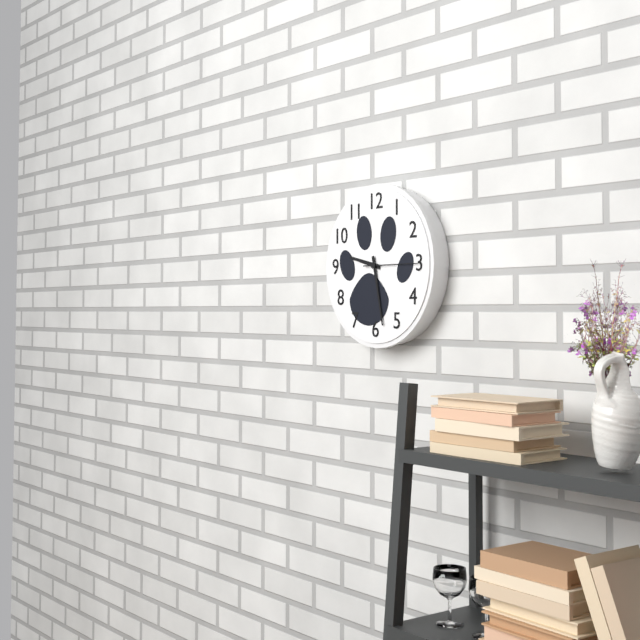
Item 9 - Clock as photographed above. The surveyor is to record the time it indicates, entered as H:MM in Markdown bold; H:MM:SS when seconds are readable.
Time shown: **9:28:15**
